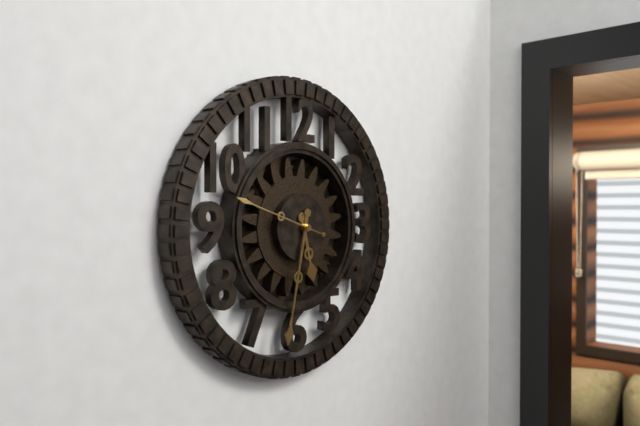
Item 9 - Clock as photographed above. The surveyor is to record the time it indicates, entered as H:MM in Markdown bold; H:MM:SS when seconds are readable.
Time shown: **5:32:48**
